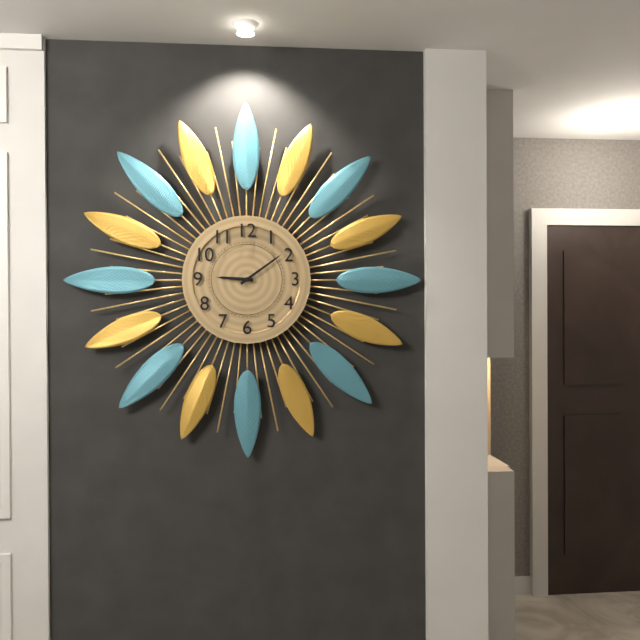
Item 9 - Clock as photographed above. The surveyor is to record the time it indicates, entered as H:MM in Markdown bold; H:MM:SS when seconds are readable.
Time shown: **9:09**
